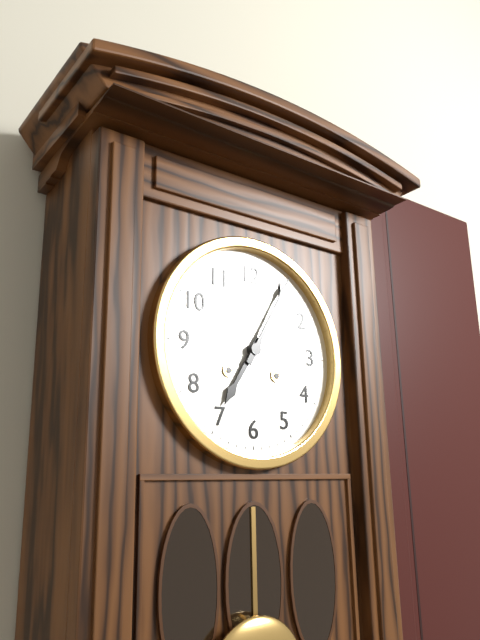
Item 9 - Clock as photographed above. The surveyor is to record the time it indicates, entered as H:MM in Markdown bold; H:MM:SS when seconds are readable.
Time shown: **7:05**
